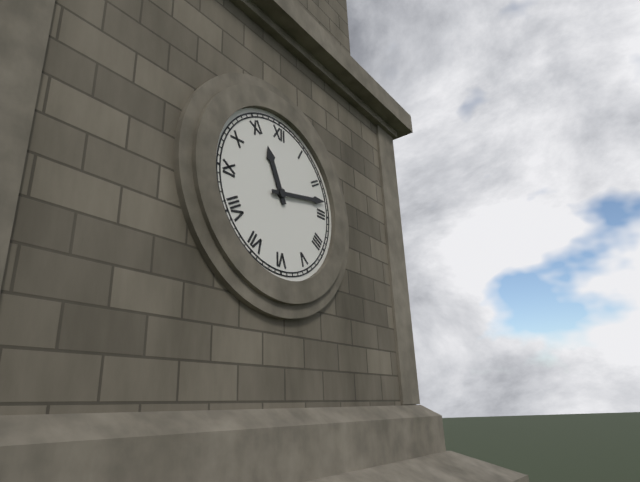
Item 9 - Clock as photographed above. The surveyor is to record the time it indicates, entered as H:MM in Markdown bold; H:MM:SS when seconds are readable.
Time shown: **11:13**
